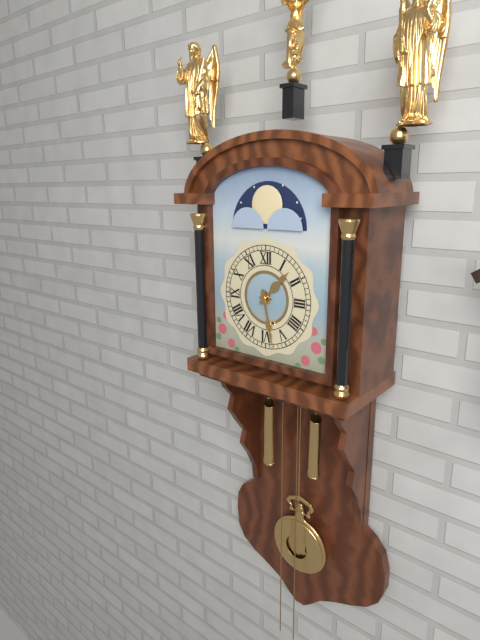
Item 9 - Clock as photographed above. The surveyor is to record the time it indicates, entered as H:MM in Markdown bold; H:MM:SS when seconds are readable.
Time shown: **1:28**
